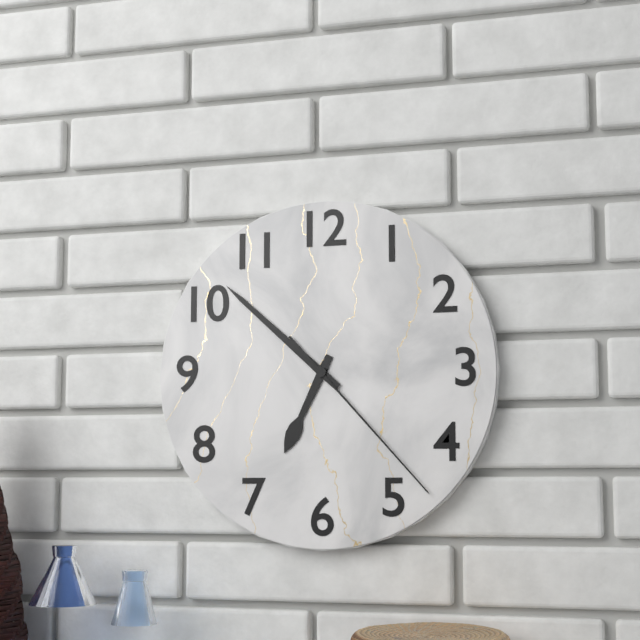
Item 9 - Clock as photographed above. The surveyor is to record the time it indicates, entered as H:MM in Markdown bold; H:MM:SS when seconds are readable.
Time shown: **6:52:23**
